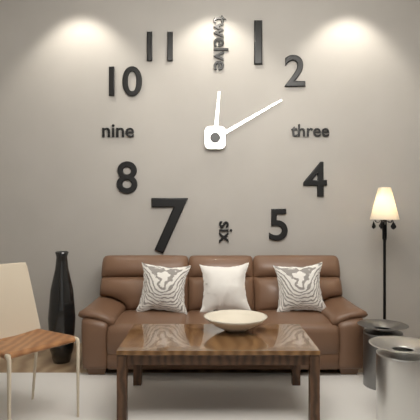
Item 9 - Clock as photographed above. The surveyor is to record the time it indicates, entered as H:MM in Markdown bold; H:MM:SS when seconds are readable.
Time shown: **12:10**
